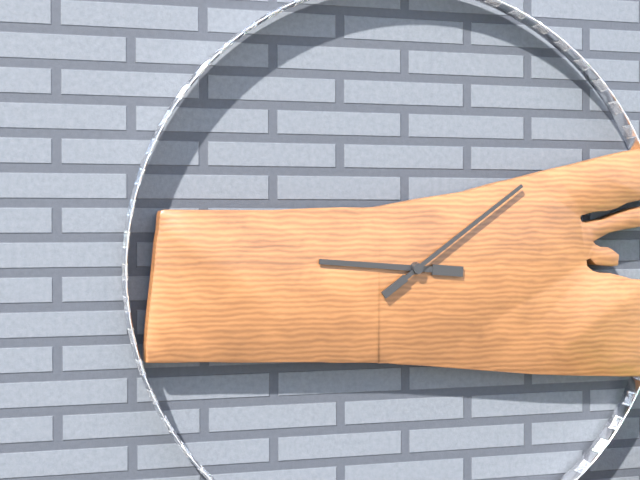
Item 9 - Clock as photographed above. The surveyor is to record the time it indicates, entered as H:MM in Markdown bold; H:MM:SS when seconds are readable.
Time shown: **9:09**
